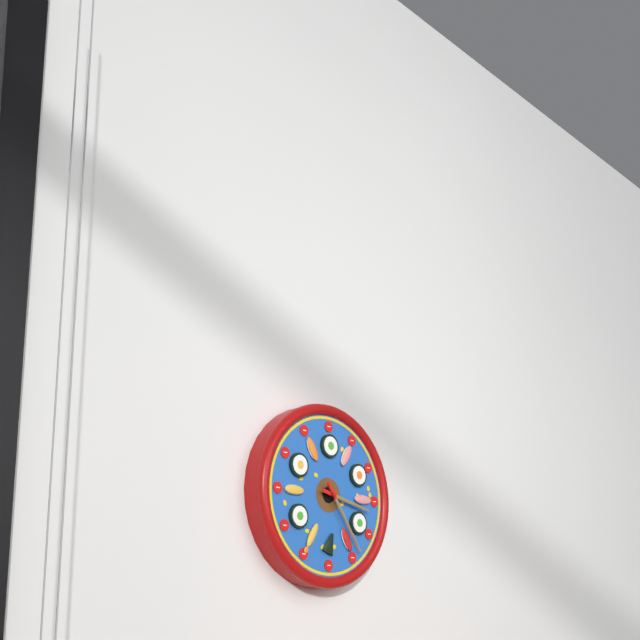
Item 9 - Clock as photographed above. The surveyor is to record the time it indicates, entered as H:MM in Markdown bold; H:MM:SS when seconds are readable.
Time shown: **3:24**
